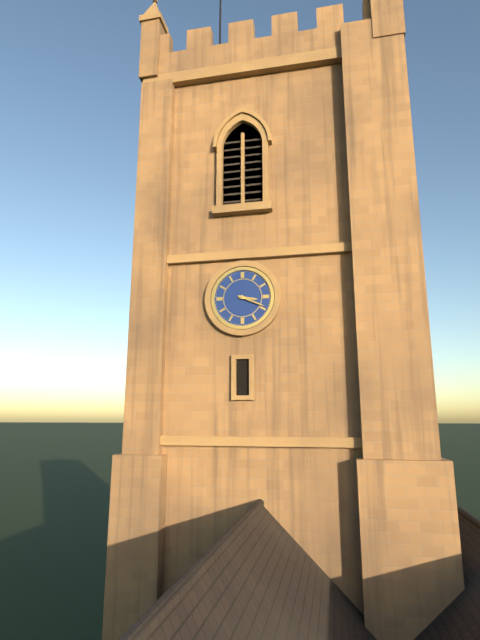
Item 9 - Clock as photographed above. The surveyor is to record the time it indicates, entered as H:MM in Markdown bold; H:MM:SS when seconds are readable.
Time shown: **3:19**
